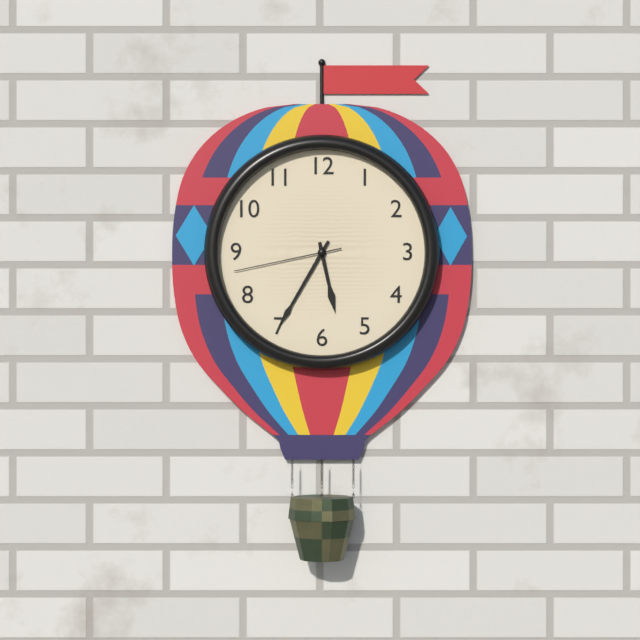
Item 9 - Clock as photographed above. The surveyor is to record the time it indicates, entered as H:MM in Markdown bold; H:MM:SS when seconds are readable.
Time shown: **5:35:43**
